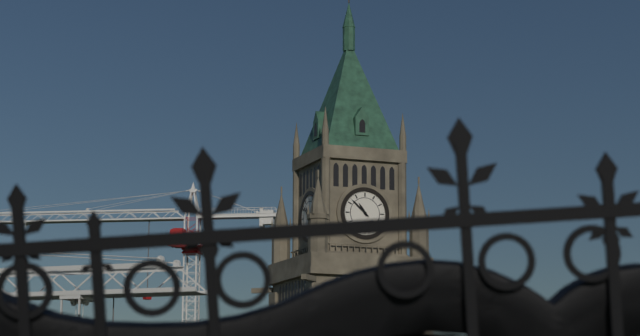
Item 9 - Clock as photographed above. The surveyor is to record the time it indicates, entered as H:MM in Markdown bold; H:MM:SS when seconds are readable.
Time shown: **10:52**
